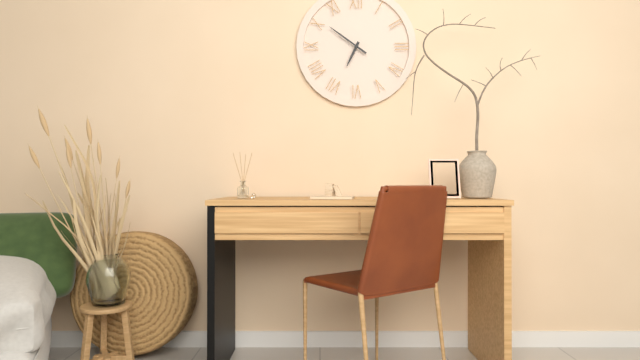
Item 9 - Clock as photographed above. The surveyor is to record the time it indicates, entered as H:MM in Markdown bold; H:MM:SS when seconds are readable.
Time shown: **6:51**
